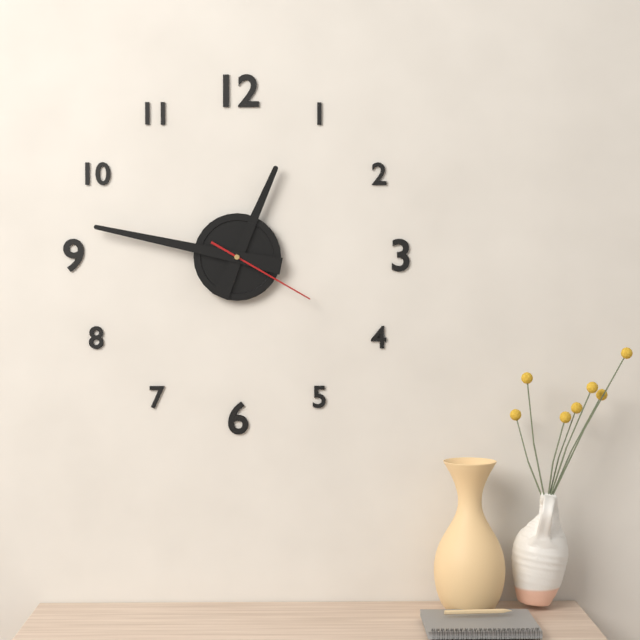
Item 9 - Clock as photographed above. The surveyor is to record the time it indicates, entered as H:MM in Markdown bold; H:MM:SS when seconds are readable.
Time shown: **12:47:20**
